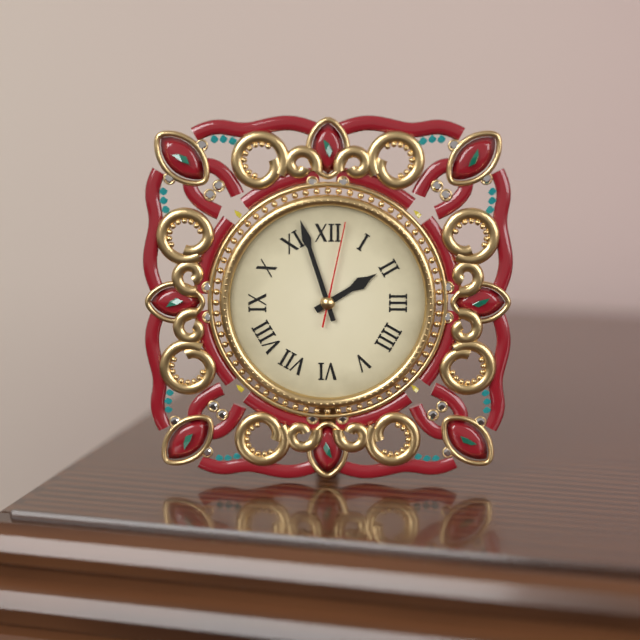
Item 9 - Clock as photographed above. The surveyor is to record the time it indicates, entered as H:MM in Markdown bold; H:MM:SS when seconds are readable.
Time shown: **1:57:02**
